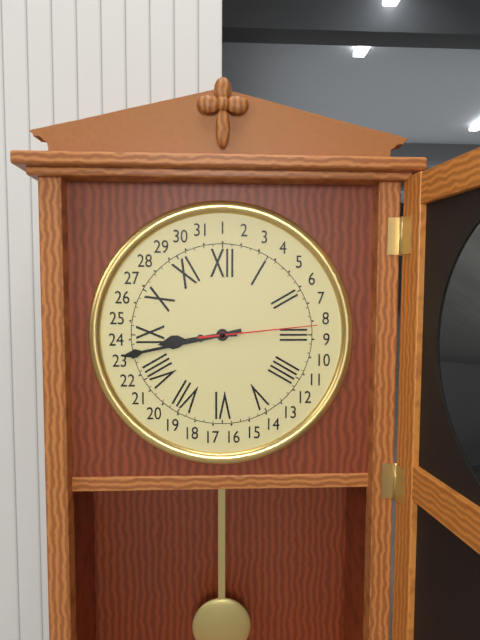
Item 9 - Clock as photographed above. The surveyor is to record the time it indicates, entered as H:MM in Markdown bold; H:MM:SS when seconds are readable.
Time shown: **8:43:14**
